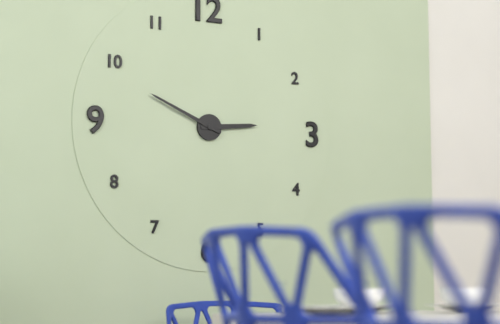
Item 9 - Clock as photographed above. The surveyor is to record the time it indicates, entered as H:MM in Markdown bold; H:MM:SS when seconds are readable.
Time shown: **2:49**
